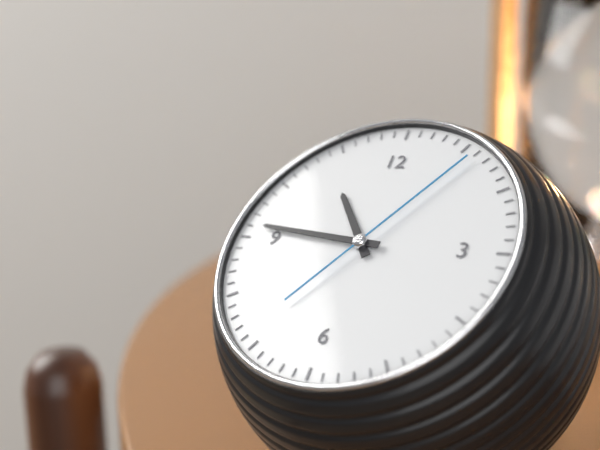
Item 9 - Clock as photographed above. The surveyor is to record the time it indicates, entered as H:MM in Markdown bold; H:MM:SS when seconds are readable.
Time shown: **10:46:06**
